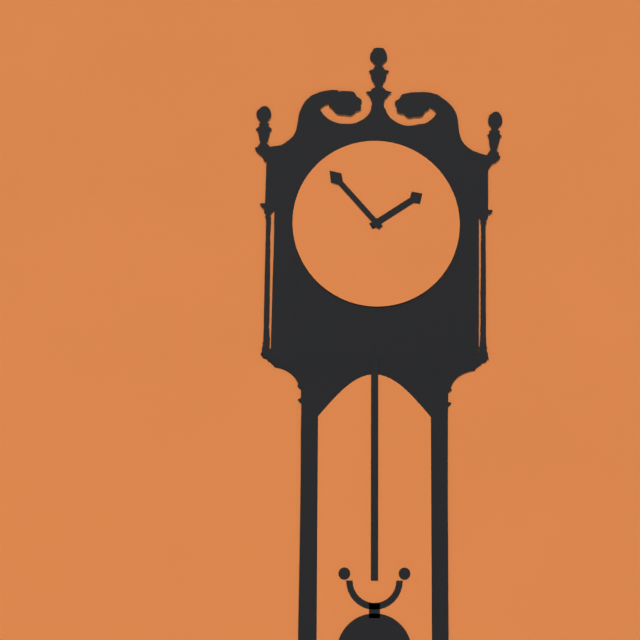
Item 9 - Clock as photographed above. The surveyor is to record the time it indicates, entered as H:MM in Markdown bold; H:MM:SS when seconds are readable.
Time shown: **1:53**
